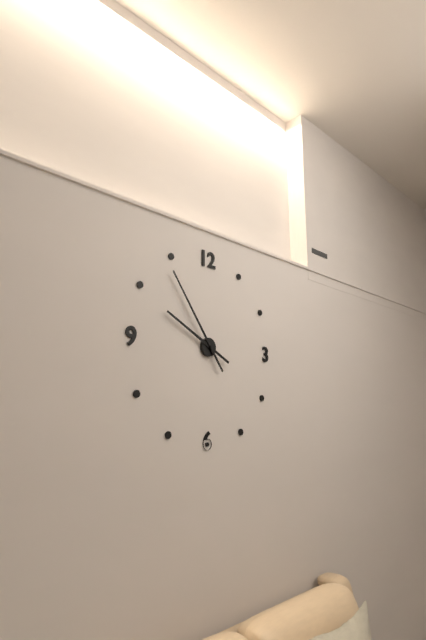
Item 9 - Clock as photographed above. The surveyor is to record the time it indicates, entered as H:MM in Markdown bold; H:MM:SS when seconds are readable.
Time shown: **9:54**
